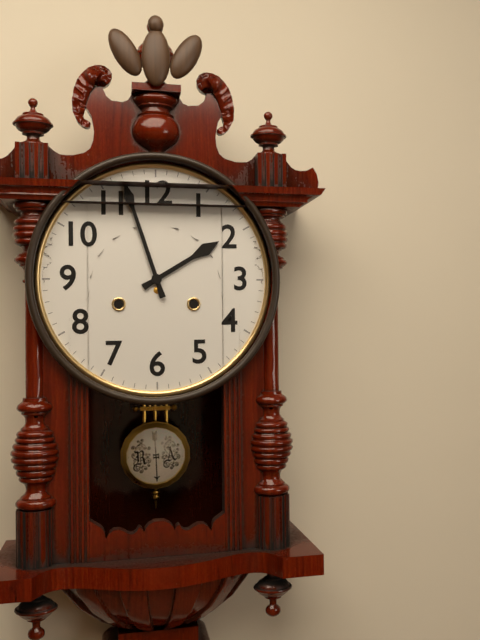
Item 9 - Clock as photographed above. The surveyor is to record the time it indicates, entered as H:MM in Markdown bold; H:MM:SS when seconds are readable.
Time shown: **1:57**
